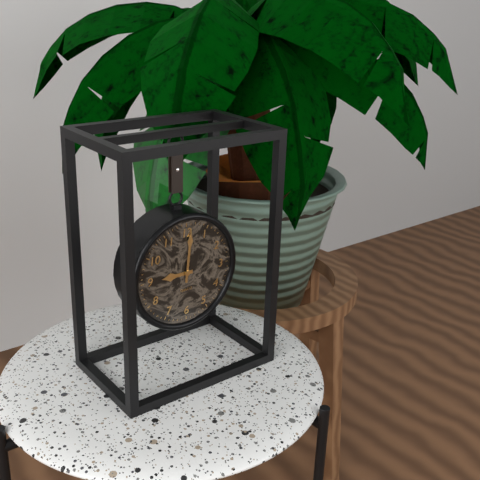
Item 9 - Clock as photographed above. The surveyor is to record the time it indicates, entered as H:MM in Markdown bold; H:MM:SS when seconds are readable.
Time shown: **9:01**
